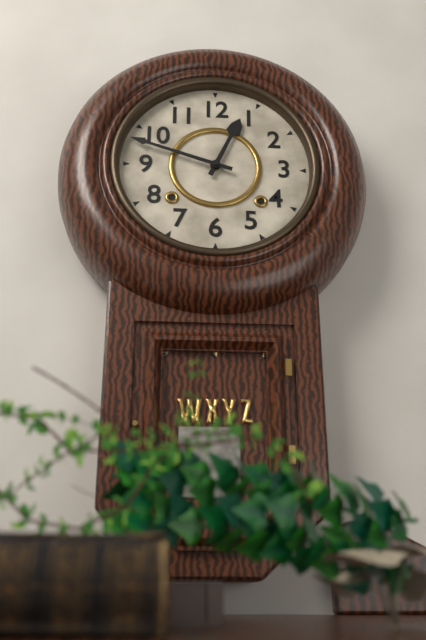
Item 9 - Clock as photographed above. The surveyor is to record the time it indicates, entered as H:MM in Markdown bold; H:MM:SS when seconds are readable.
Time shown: **12:48**
